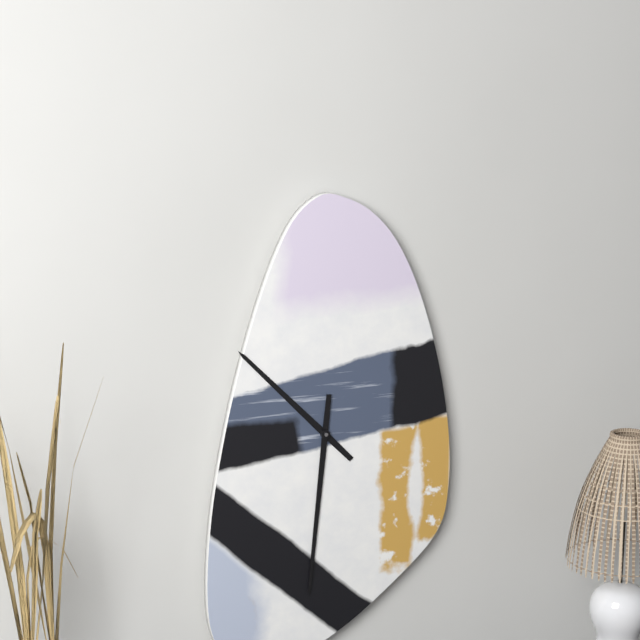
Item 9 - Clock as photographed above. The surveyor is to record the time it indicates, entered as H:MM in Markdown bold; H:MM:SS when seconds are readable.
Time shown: **10:31**
